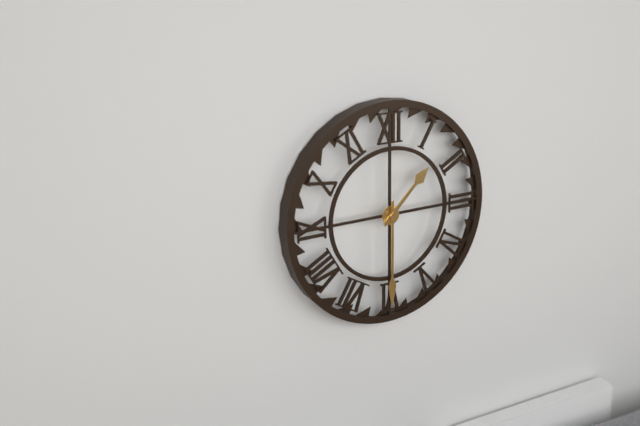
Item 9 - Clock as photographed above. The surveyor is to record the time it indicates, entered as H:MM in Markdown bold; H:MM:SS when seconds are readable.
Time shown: **1:30**
